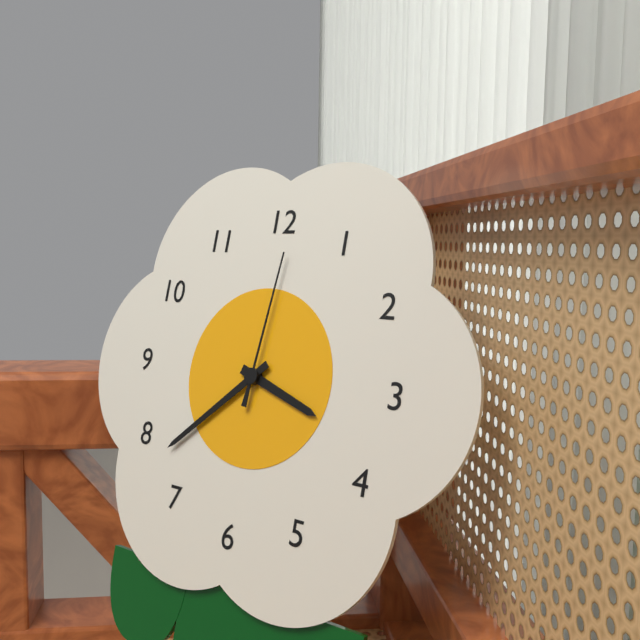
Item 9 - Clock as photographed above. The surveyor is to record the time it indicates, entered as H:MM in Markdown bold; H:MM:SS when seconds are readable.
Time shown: **3:38:01**
